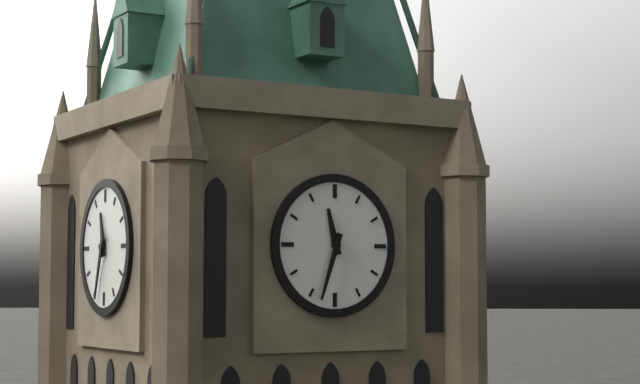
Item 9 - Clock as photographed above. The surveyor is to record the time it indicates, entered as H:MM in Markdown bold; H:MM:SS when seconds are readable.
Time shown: **11:33**
